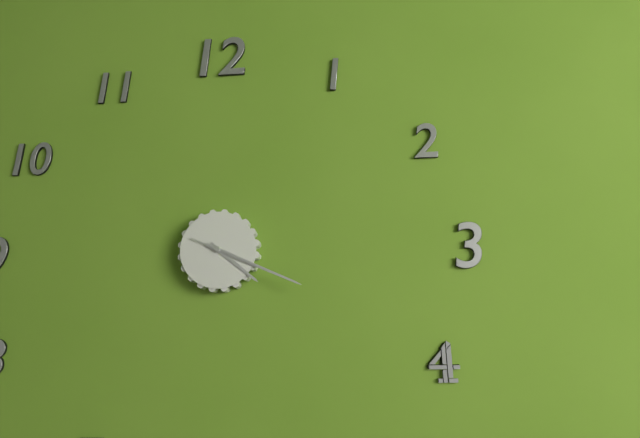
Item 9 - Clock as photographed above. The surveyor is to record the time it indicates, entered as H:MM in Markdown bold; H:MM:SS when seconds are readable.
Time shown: **4:19:19**
